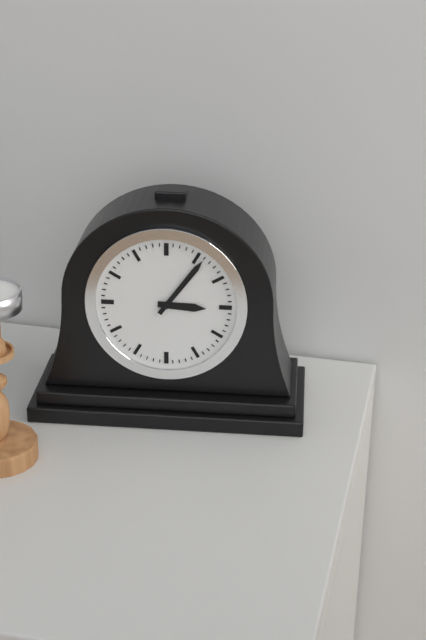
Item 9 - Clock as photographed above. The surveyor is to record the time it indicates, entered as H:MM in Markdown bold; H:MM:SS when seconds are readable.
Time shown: **3:06**
